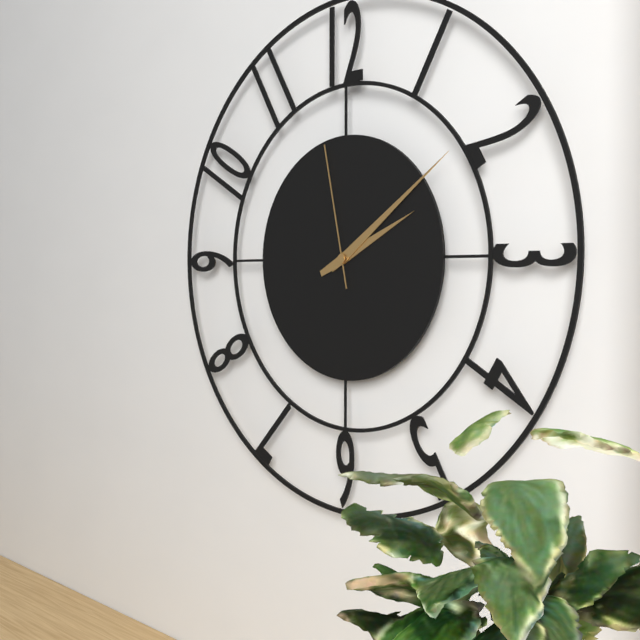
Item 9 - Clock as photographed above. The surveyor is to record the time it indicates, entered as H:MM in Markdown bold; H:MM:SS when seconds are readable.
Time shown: **2:09:58**
